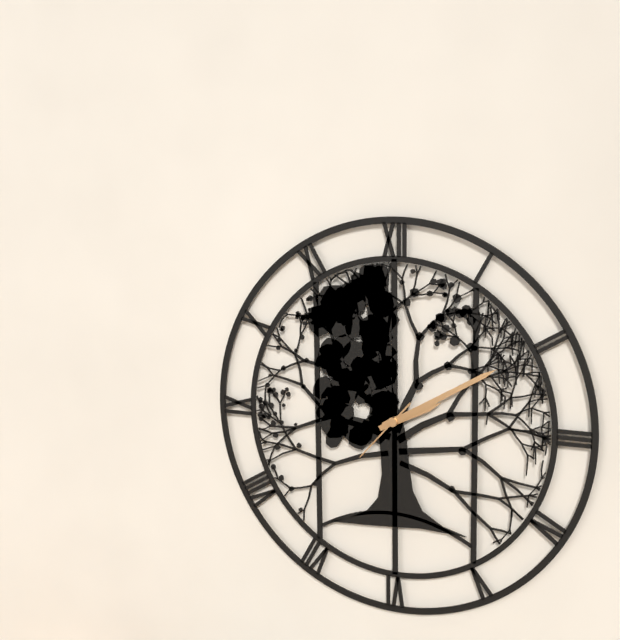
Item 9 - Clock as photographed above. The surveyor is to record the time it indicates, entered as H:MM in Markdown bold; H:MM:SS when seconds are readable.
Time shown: **2:10:37**
